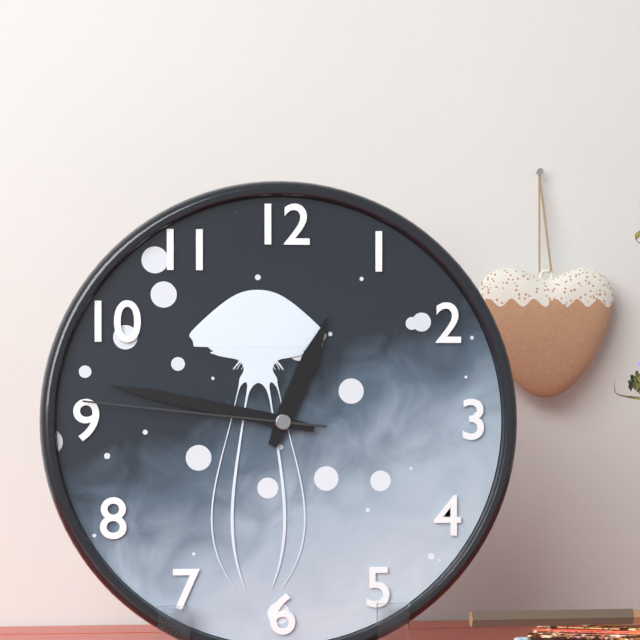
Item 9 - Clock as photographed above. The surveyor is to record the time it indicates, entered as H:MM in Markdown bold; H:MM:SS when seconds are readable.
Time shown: **12:47:46**
